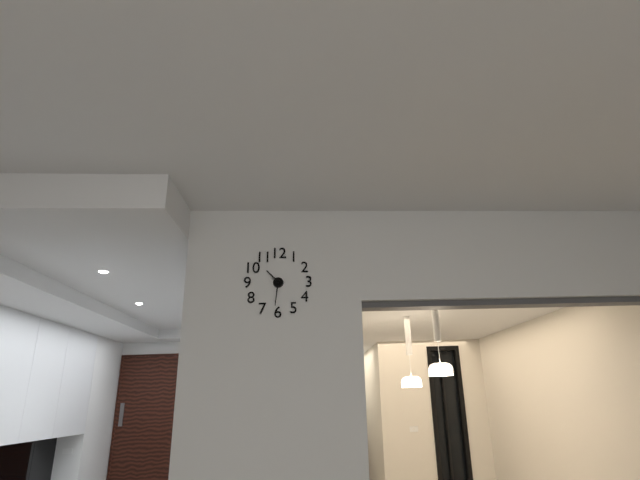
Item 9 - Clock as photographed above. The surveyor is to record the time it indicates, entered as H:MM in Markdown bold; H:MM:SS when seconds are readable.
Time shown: **10:31**
